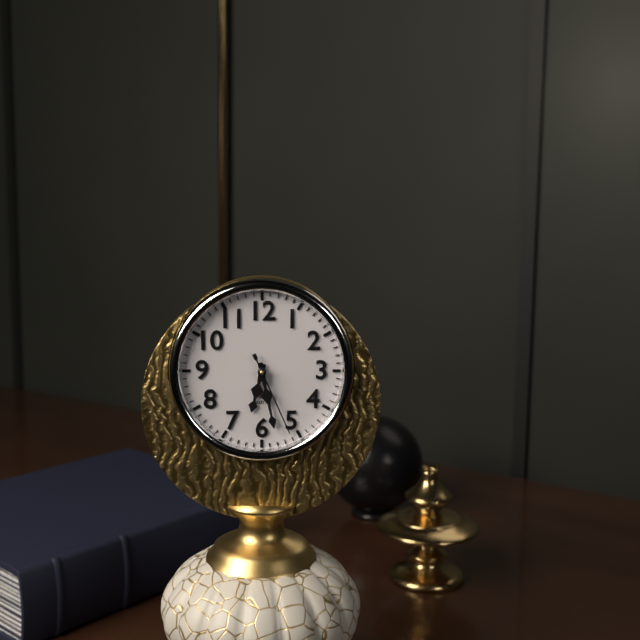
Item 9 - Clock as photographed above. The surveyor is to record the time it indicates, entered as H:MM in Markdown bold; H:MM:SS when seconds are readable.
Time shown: **6:28:26**
